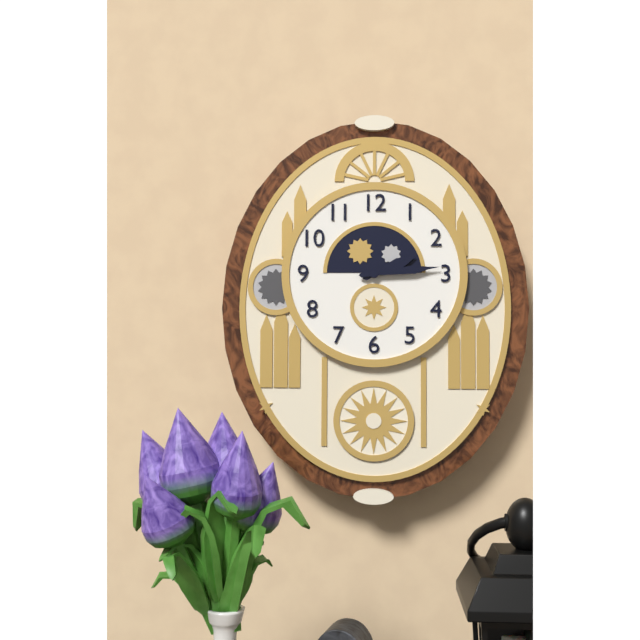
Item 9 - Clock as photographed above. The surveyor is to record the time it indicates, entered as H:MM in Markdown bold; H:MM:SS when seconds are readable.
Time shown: **2:14**
